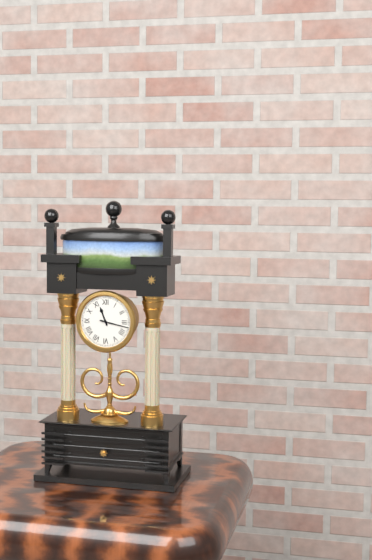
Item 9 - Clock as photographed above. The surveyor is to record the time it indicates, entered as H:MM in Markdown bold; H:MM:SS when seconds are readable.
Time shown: **11:17**
